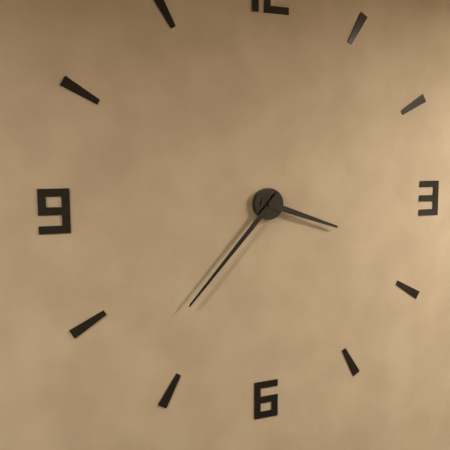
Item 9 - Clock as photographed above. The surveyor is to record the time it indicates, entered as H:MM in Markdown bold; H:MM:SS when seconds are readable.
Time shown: **3:37**
